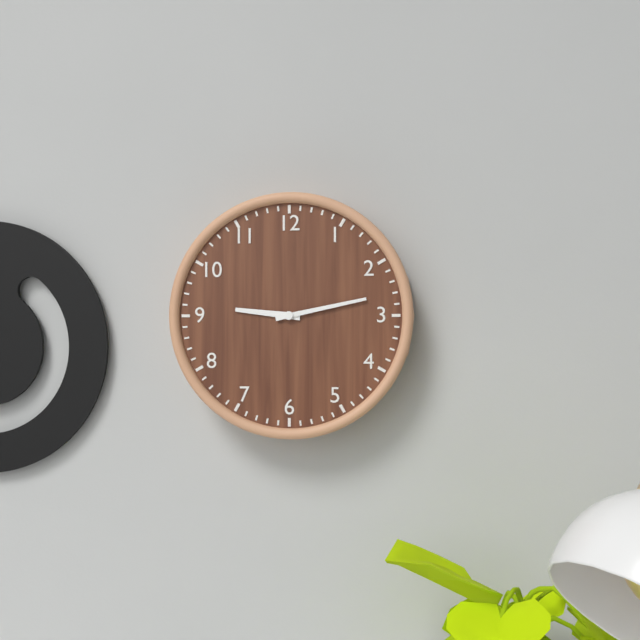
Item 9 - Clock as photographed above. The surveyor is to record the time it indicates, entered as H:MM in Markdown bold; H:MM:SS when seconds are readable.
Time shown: **9:13**
